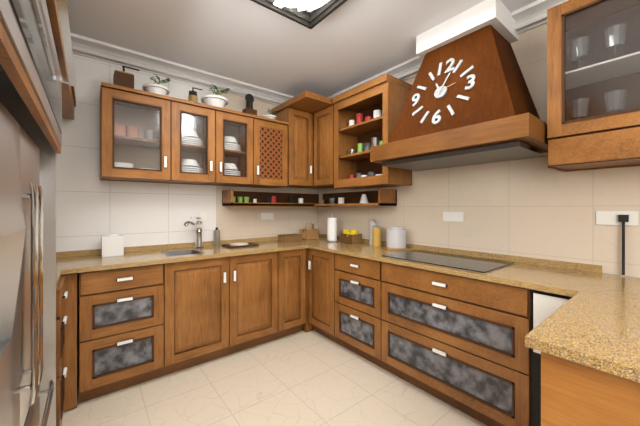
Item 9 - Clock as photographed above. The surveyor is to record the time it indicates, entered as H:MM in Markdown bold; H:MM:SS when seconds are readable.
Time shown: **11:04**
